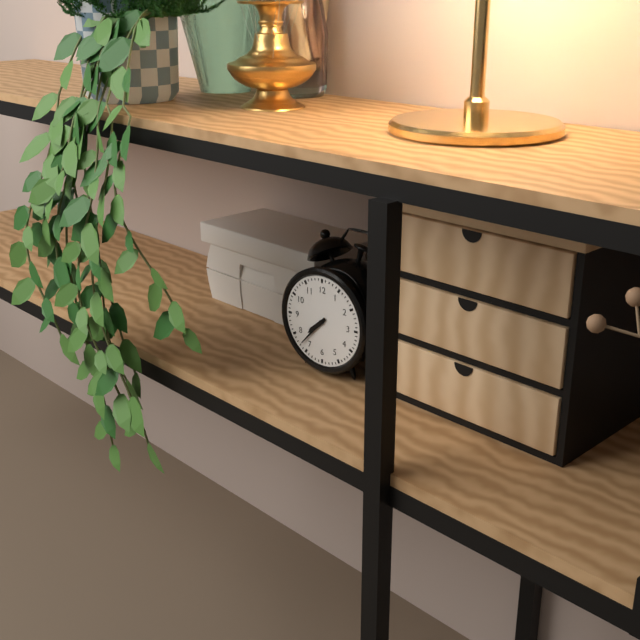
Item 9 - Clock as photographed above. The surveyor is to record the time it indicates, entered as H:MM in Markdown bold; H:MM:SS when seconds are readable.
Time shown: **7:37**
